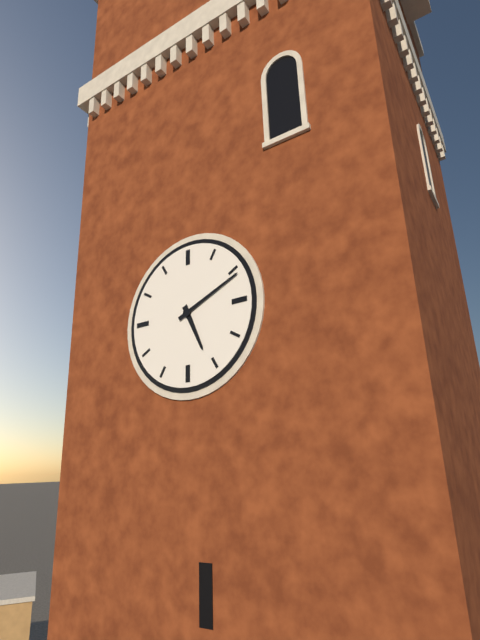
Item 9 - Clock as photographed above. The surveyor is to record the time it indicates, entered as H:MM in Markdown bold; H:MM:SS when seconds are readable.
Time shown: **5:11**
